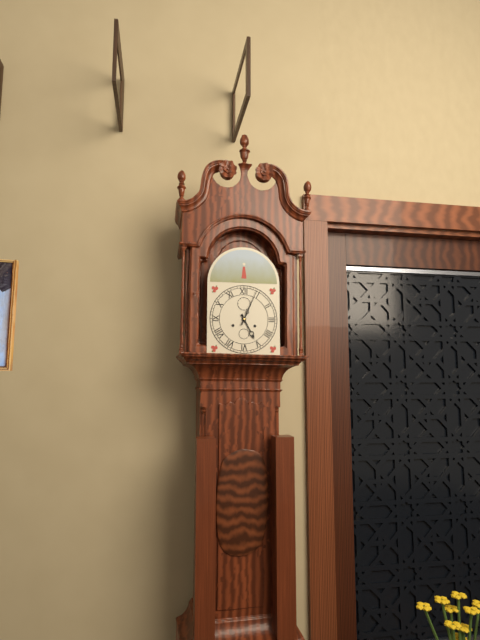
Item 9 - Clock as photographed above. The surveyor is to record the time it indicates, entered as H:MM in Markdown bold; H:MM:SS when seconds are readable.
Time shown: **5:04**
